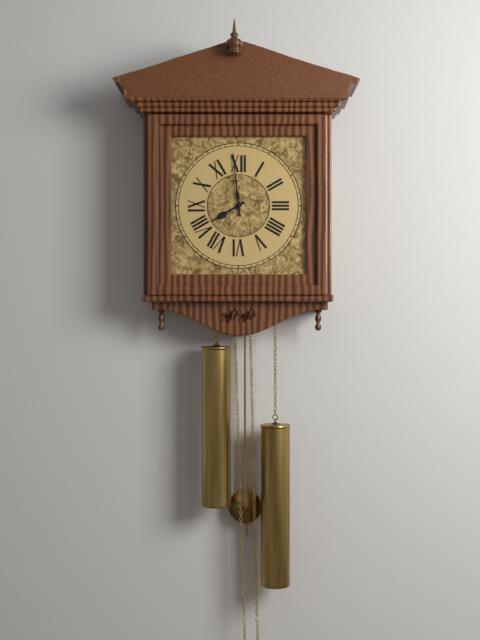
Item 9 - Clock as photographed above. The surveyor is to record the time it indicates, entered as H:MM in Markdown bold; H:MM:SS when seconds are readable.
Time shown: **7:59**
